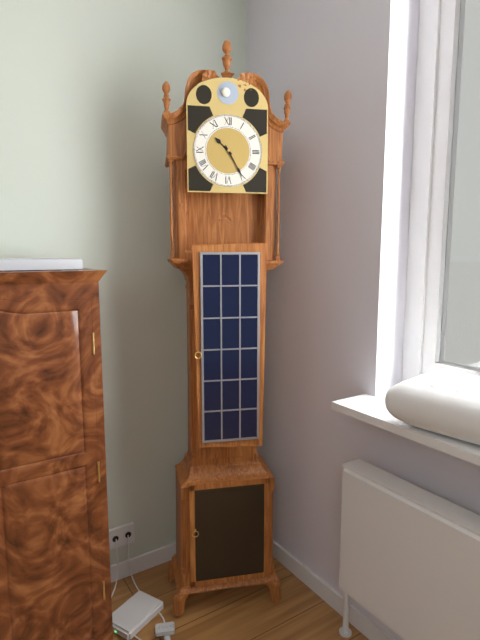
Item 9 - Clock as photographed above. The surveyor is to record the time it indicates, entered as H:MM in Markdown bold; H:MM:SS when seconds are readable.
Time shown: **10:25**
